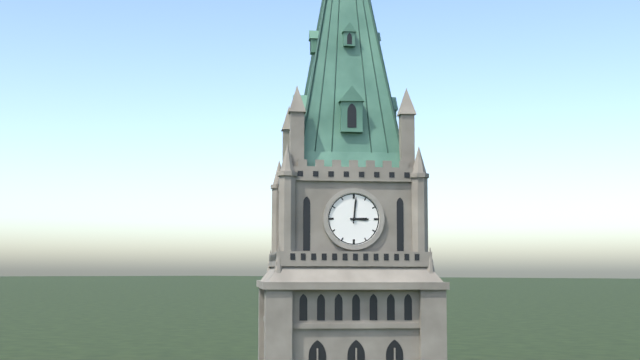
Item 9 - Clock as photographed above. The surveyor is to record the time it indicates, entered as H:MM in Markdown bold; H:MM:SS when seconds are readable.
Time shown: **3:01**
